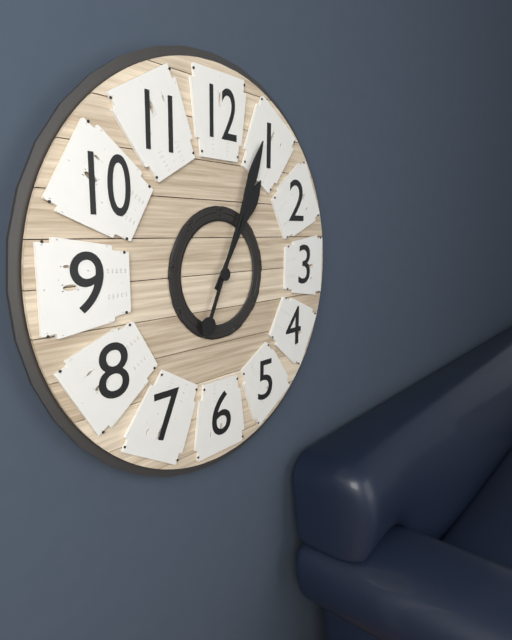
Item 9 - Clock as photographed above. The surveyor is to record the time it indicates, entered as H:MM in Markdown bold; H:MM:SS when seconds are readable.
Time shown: **1:04**
